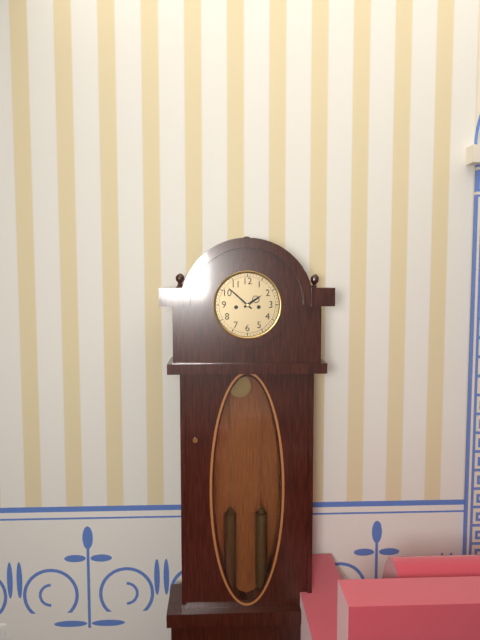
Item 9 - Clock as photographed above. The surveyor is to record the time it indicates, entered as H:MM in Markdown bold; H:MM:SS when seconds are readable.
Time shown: **1:52**
